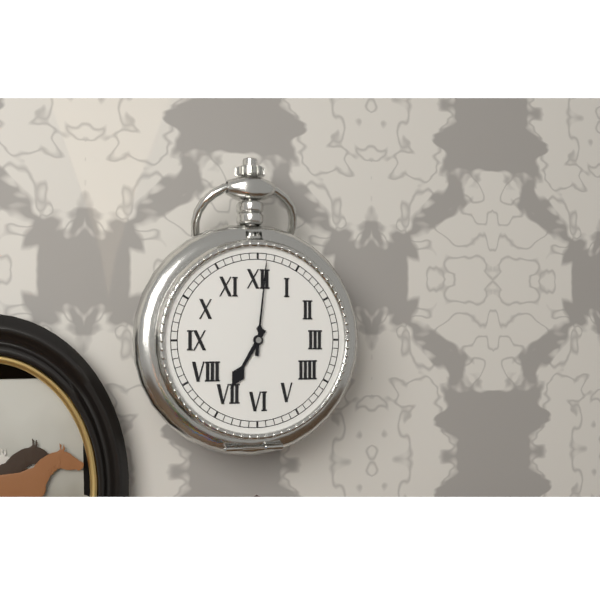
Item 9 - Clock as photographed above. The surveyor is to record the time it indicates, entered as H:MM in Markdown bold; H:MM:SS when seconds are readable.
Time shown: **7:01**
